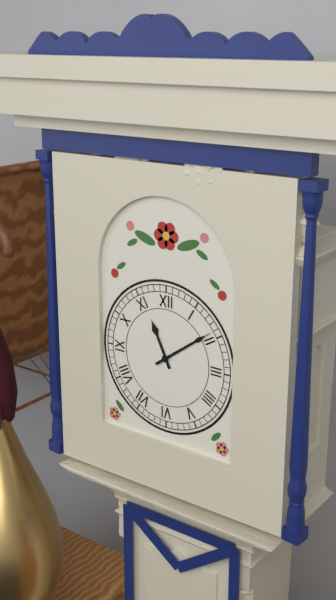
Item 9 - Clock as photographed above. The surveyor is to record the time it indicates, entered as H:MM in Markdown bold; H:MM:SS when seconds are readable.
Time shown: **11:09**
